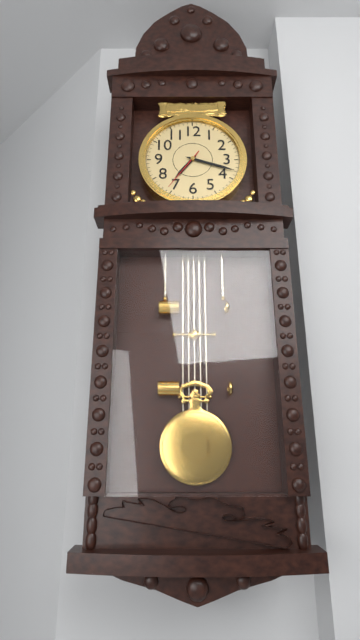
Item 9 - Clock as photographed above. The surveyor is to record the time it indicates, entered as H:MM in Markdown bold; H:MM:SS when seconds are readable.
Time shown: **7:18**
